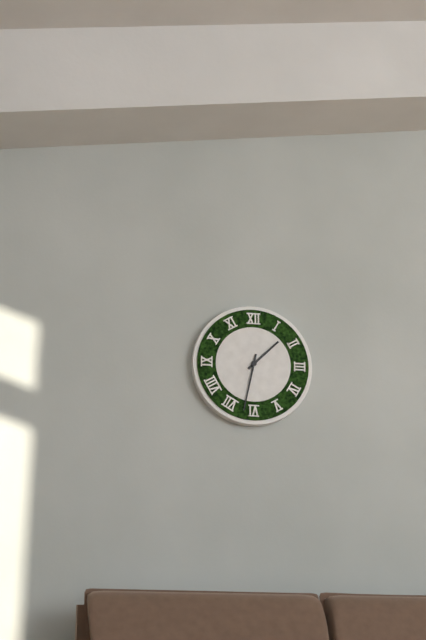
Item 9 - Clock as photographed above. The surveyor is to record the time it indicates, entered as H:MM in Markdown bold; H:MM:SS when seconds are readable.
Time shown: **1:32**
